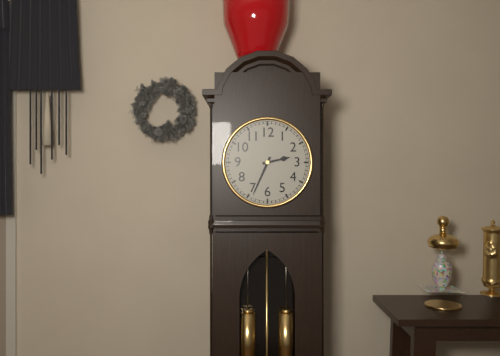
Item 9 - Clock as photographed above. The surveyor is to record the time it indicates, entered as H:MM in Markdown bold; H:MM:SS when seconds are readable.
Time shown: **2:34**
